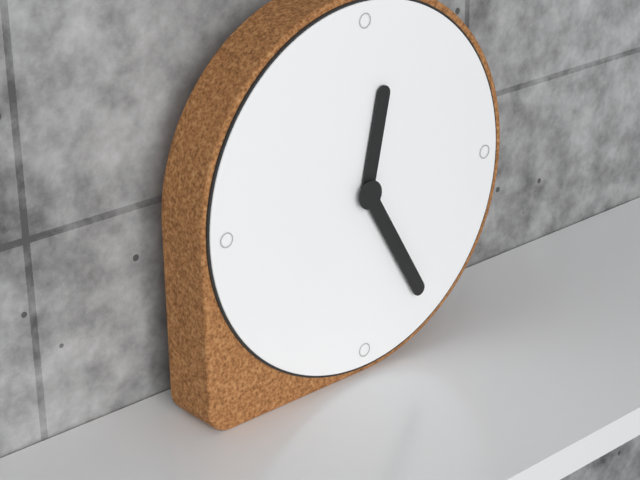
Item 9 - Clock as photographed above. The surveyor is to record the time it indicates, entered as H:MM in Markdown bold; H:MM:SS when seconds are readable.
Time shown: **12:25**
